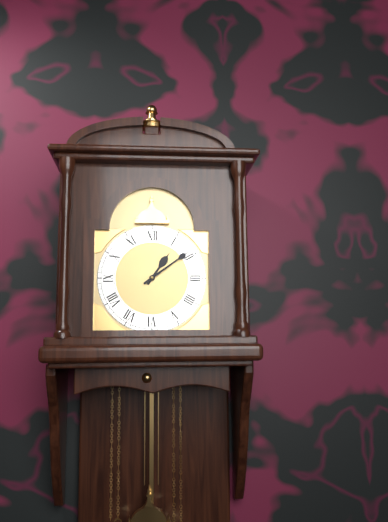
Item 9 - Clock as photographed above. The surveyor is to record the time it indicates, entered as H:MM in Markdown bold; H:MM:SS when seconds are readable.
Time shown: **1:09**
